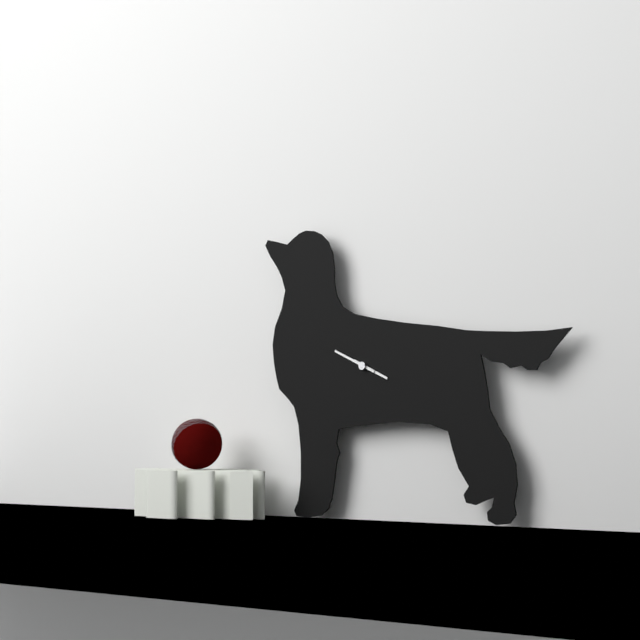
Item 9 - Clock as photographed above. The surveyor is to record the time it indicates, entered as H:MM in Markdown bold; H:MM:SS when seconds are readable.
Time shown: **3:49**
